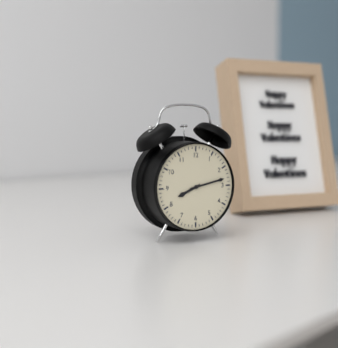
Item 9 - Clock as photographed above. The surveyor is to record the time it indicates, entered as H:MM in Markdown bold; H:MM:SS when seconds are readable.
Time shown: **8:13**
